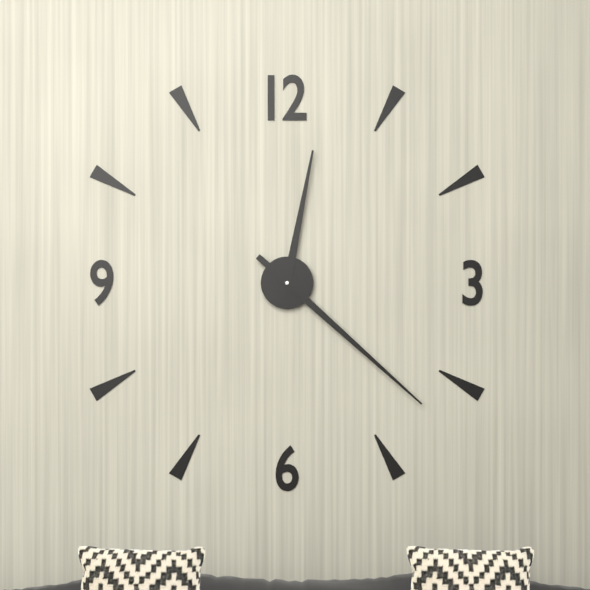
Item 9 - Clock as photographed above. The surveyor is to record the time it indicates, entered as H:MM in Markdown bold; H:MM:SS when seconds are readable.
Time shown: **12:22**
